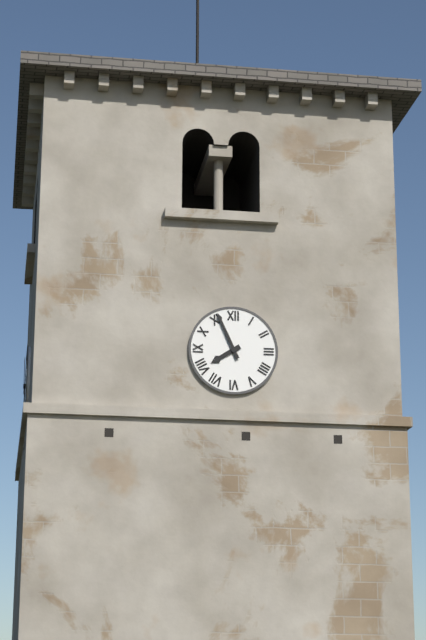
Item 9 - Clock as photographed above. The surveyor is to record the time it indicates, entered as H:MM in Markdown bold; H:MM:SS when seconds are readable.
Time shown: **7:56**
